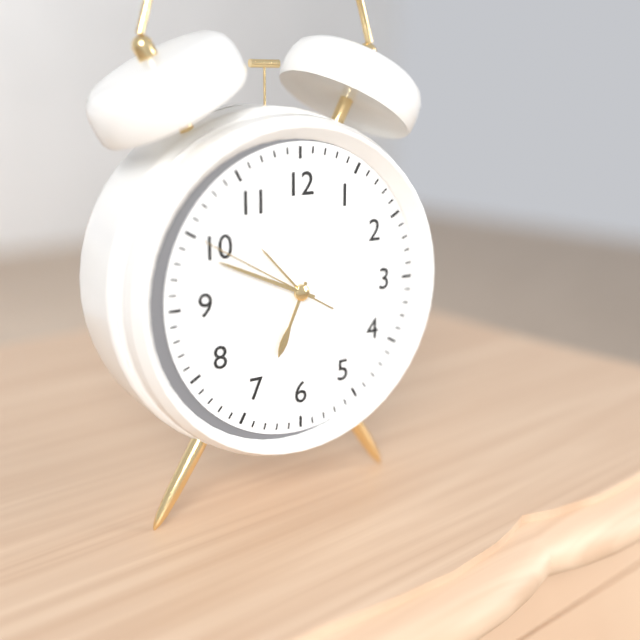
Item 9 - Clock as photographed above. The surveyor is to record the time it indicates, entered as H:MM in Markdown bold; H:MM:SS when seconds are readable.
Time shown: **6:49:50**
